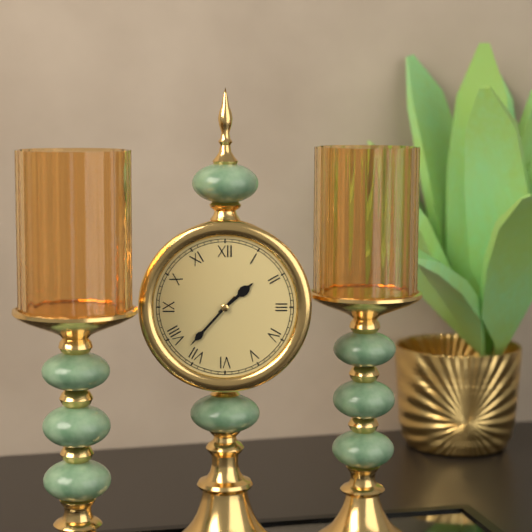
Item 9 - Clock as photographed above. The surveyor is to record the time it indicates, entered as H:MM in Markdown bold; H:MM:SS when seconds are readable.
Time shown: **1:37**
